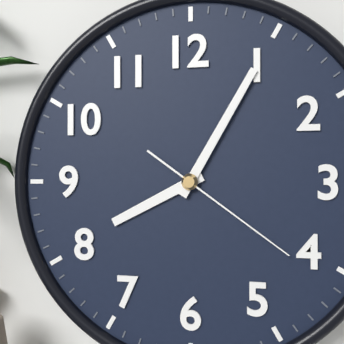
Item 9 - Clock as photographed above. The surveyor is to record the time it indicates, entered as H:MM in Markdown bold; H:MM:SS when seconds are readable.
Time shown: **8:05:21**
